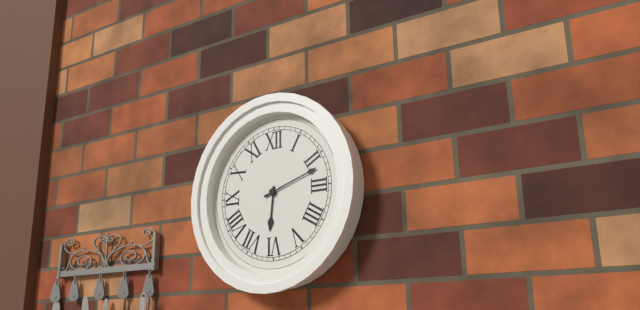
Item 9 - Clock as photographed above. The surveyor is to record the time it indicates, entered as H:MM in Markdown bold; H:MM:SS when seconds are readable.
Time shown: **6:12**
